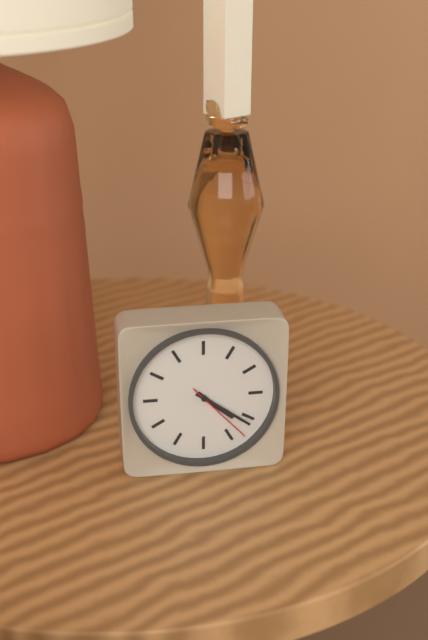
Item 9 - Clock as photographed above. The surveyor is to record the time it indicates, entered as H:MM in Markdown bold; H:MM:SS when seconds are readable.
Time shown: **4:21:23**
